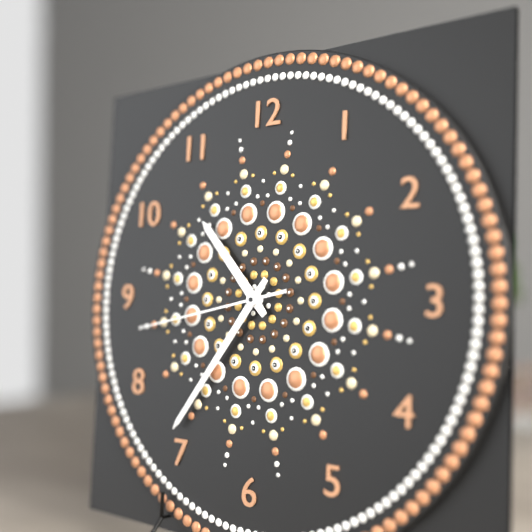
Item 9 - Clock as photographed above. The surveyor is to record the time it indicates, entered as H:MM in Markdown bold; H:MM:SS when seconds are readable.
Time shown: **10:36:43**
